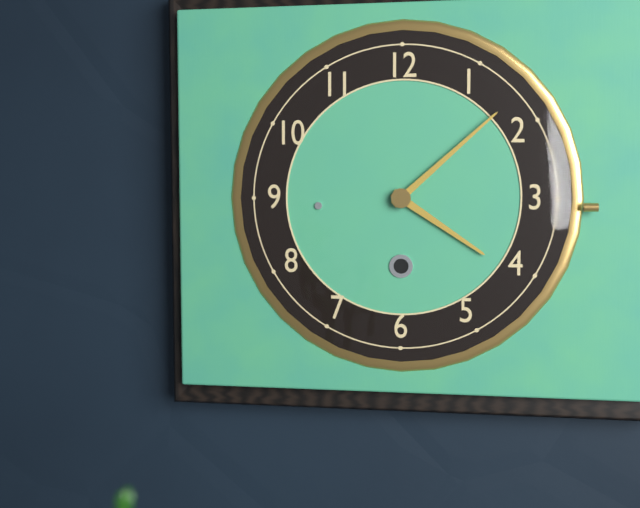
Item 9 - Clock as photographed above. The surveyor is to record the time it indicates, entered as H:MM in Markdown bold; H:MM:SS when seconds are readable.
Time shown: **4:08**
